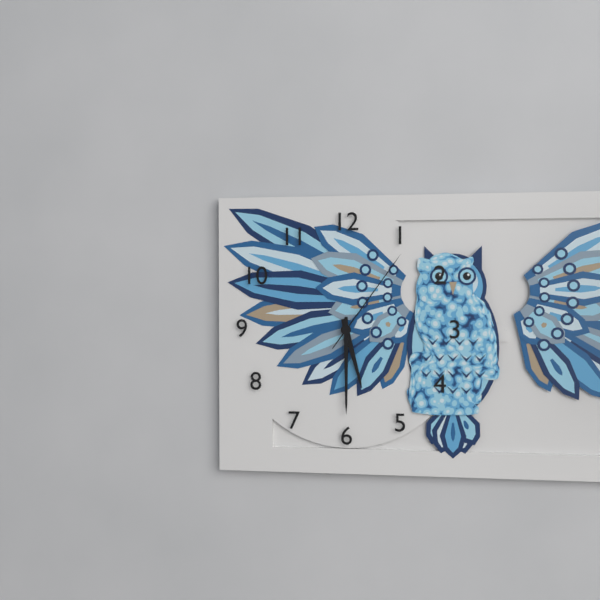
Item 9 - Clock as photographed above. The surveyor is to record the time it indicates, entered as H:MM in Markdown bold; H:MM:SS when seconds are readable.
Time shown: **5:30:06**
